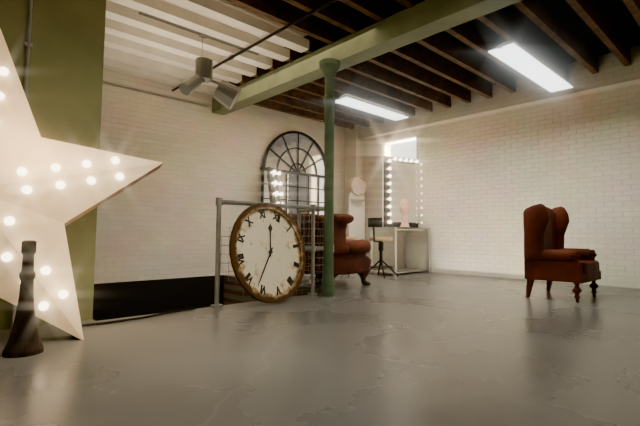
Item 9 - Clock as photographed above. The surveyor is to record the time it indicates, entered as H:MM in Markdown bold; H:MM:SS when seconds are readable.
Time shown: **11:32**
